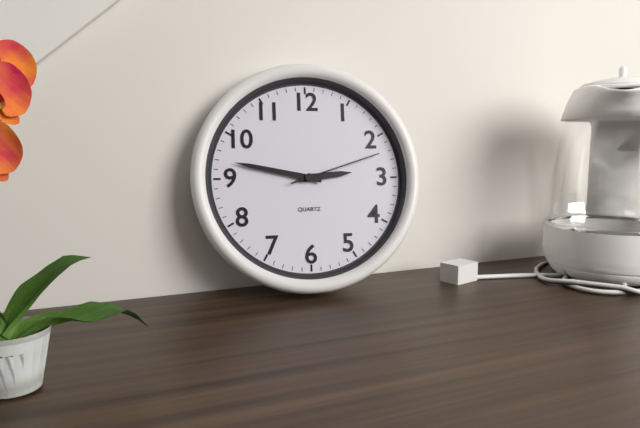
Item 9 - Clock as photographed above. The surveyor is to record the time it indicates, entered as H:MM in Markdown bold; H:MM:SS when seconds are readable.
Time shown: **2:47:12**
